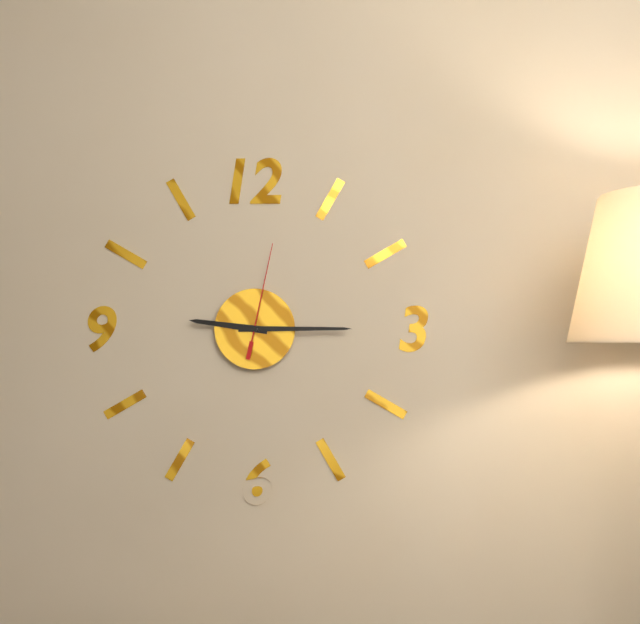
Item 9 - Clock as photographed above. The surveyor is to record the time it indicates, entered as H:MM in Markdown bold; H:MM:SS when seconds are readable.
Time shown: **9:15:02**
